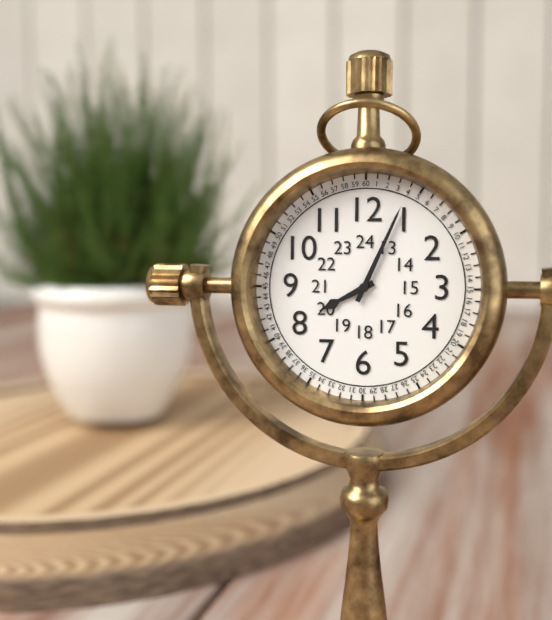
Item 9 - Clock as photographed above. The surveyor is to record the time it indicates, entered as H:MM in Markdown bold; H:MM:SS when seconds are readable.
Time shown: **8:04**
